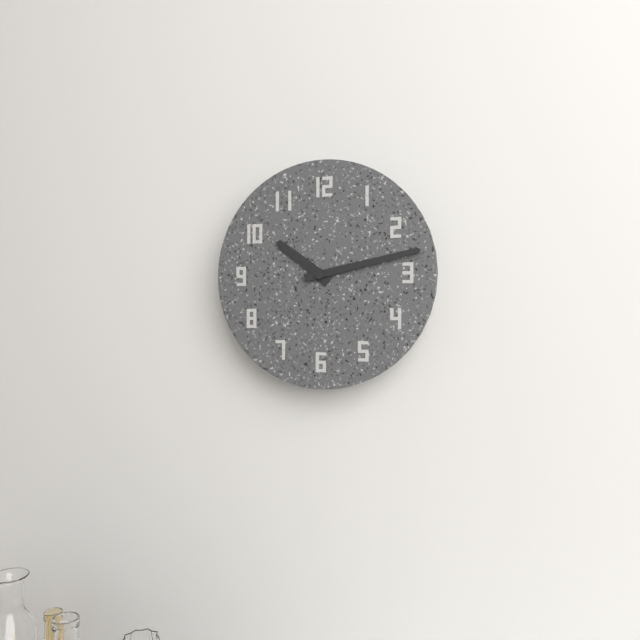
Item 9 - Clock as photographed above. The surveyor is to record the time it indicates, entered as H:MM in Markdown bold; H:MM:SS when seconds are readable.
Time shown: **10:13**
